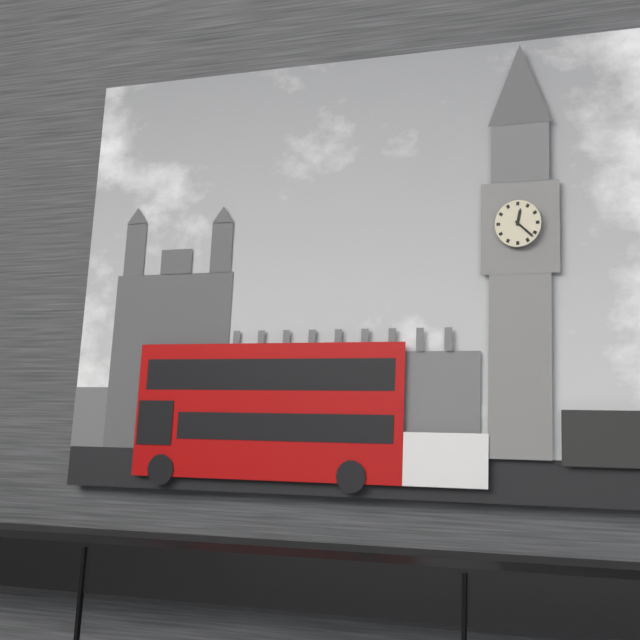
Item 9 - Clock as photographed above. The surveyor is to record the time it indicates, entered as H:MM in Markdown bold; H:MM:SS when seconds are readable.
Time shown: **12:22**
